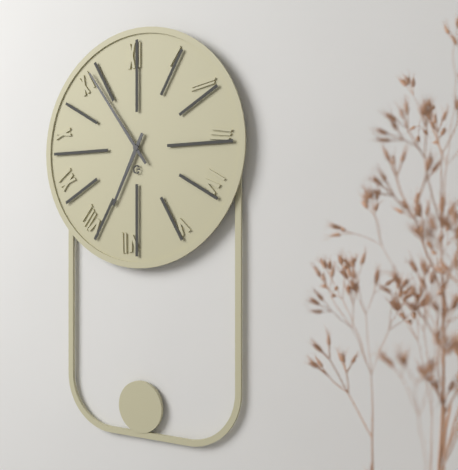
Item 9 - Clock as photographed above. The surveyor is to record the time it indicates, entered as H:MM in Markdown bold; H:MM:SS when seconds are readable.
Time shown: **6:54**
